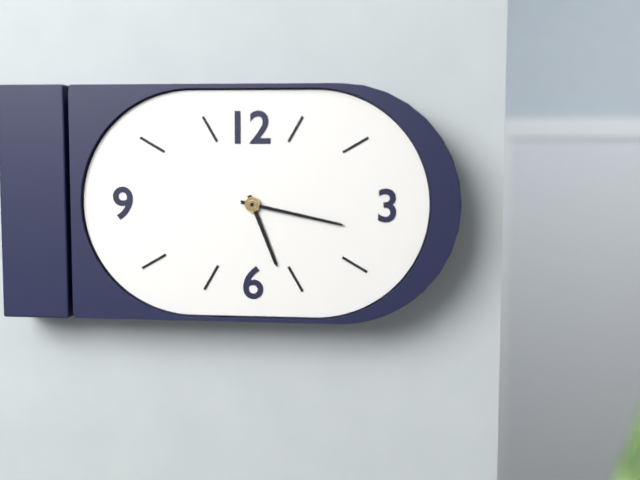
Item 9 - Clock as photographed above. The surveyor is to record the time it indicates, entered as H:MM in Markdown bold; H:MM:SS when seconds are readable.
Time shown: **5:17**
